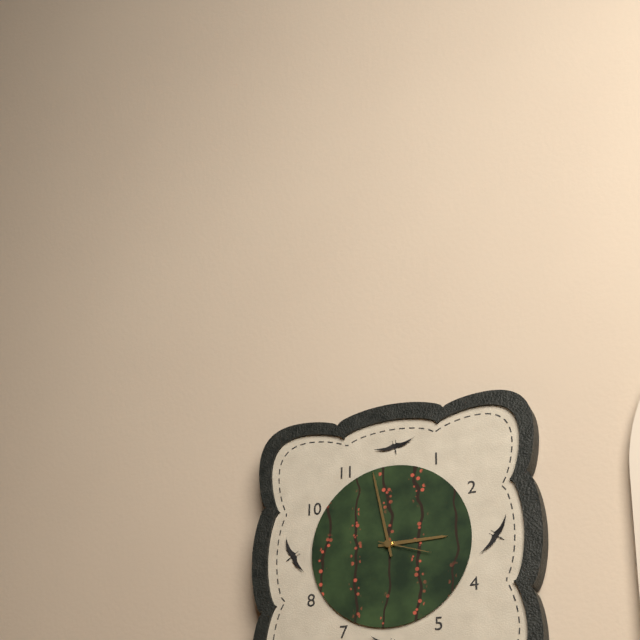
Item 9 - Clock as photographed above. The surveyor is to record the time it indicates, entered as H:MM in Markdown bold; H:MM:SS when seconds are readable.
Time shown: **2:58:18**
